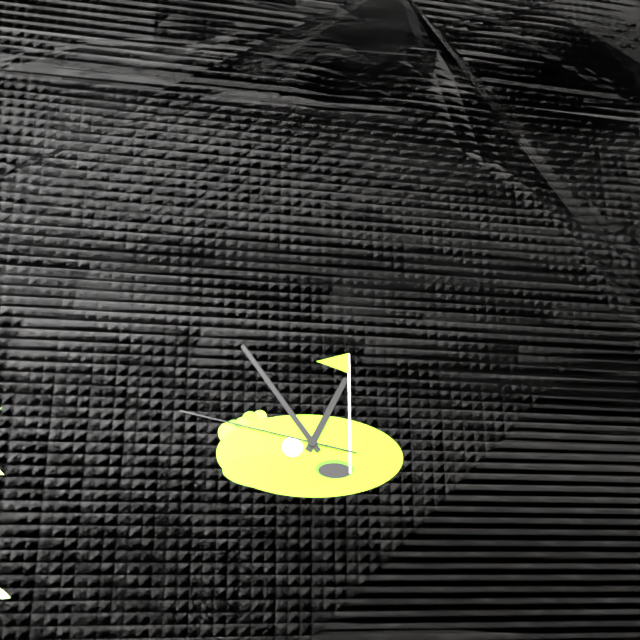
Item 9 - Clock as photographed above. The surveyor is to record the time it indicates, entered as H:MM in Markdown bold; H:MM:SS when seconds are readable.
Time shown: **12:54:47**
